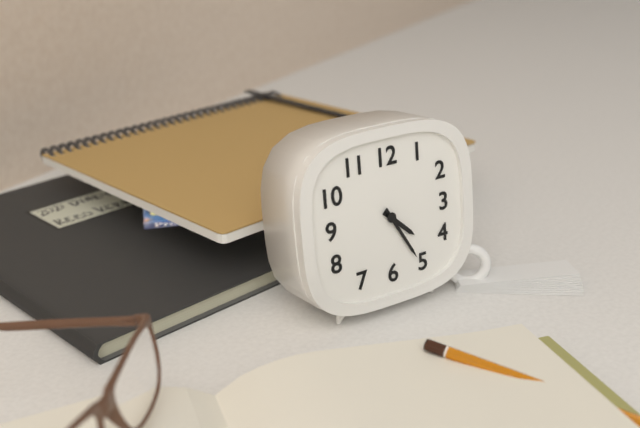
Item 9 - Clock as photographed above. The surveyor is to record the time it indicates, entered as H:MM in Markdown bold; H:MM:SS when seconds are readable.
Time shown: **4:25**
